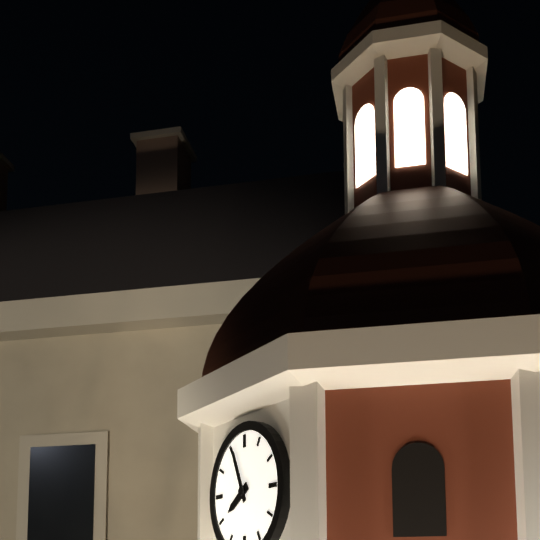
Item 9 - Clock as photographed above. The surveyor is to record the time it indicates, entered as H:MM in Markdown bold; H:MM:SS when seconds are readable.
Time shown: **7:56**
